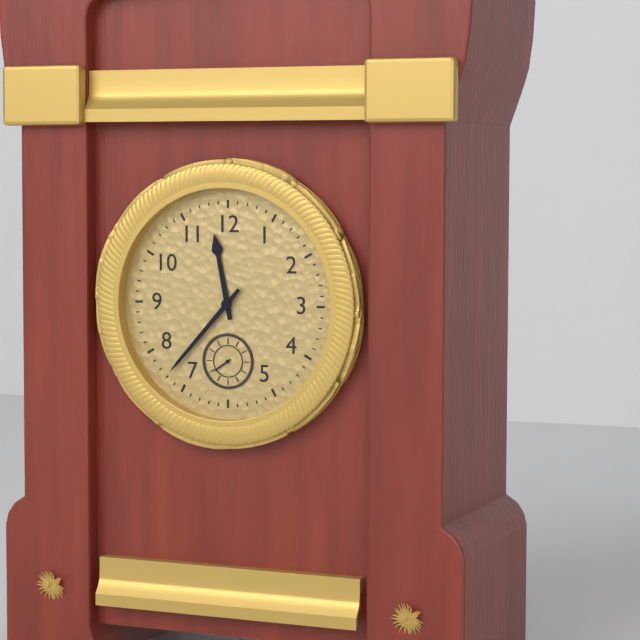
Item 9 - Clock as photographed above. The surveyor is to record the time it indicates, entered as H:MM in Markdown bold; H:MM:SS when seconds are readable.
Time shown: **11:37**
